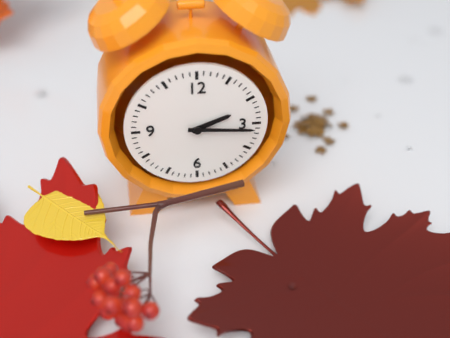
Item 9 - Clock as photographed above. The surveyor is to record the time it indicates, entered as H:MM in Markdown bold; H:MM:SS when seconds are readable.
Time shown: **2:16**
